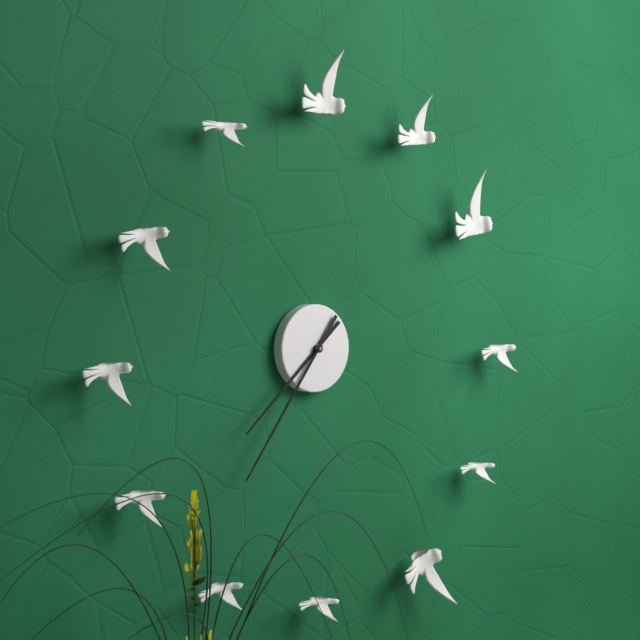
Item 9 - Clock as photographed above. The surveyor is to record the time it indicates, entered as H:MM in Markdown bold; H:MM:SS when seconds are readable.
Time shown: **7:36**
